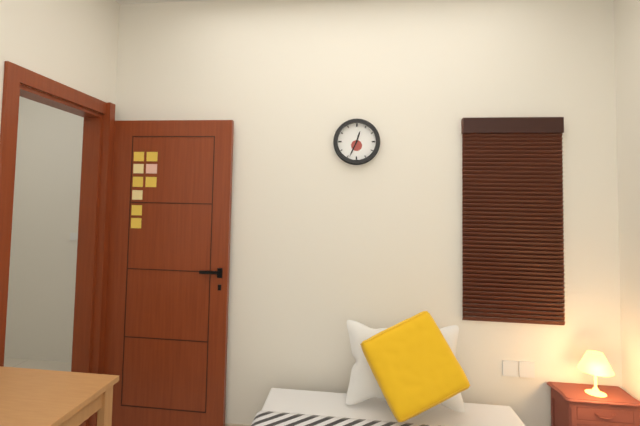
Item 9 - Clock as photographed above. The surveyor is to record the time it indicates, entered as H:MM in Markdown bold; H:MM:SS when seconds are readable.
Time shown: **12:34**
